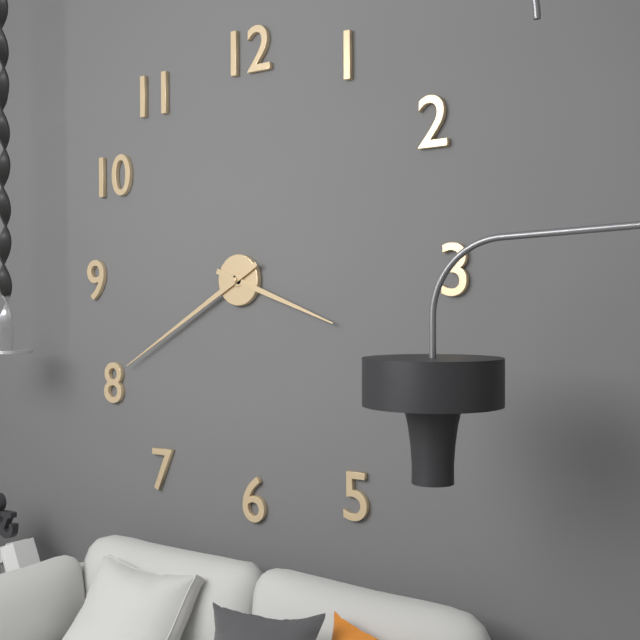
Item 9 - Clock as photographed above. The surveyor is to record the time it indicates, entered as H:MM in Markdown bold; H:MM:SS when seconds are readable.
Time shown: **3:40**
